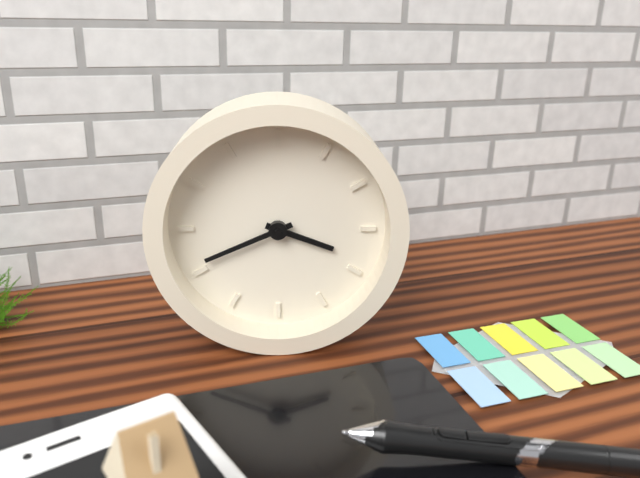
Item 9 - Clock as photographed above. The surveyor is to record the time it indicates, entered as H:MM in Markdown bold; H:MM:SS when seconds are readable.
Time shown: **3:41**
